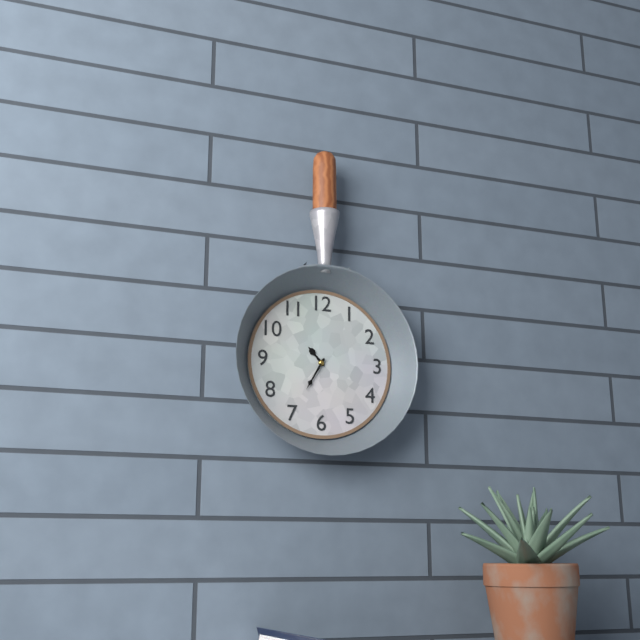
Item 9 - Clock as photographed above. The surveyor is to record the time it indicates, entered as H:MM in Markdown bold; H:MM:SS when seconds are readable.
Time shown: **10:35**
